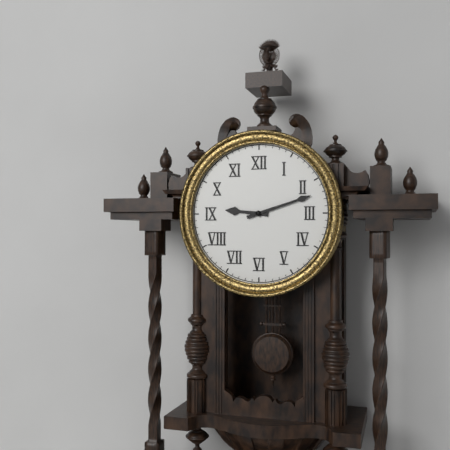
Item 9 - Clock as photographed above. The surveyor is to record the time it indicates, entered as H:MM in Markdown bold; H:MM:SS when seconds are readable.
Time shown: **9:12**
